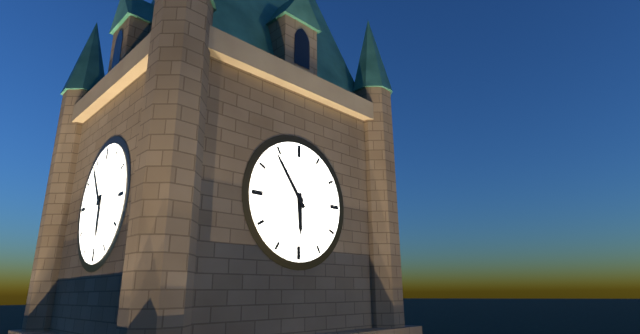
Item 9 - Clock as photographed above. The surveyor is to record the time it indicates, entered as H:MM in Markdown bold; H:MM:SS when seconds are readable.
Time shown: **5:54**
